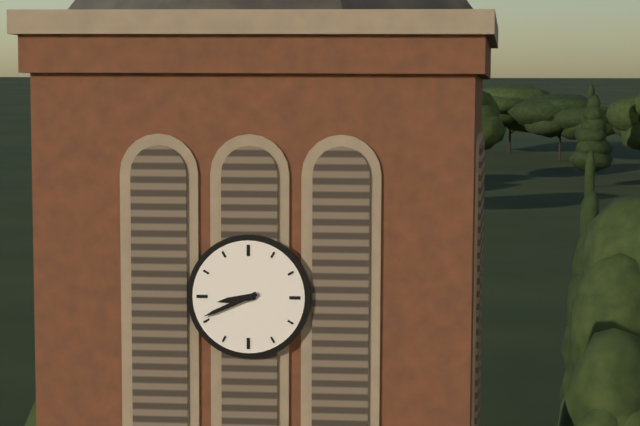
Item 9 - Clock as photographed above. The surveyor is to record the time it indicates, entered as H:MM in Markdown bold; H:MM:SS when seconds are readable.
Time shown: **8:41**
